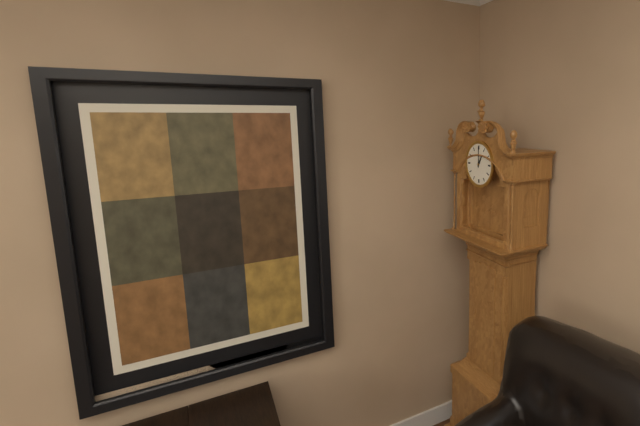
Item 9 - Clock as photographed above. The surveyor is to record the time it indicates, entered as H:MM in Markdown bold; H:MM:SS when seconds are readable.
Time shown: **1:00**
